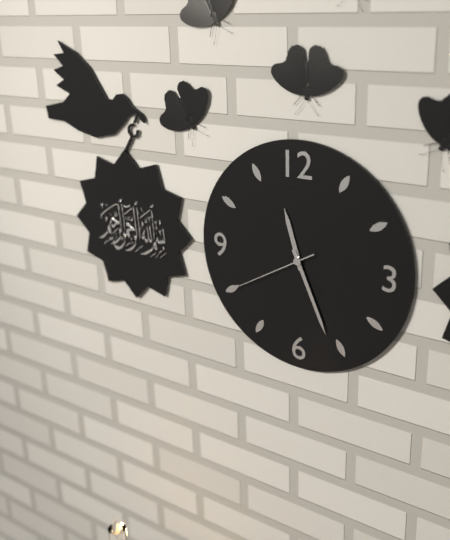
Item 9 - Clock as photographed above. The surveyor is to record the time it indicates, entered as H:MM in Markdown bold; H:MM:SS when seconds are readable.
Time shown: **11:26:40**
